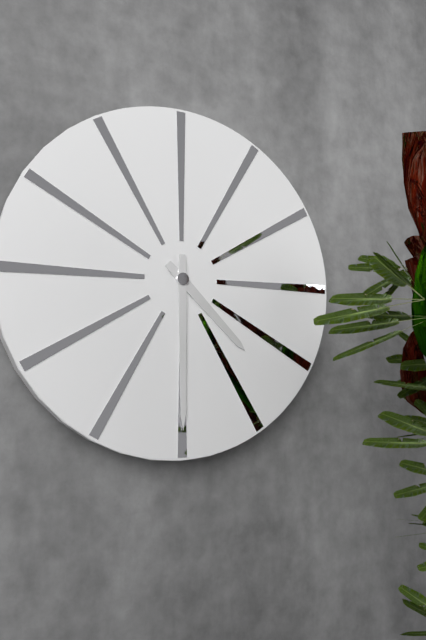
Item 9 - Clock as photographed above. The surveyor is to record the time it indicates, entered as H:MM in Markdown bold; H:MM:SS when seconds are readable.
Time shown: **4:30**
